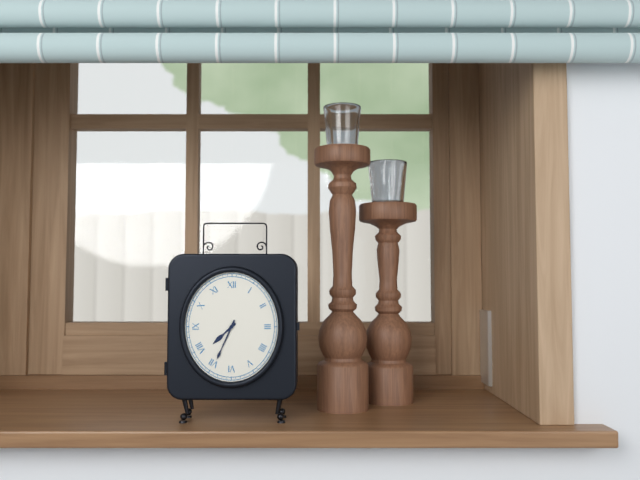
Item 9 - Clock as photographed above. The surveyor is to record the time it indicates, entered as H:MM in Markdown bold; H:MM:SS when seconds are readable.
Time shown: **7:34**
